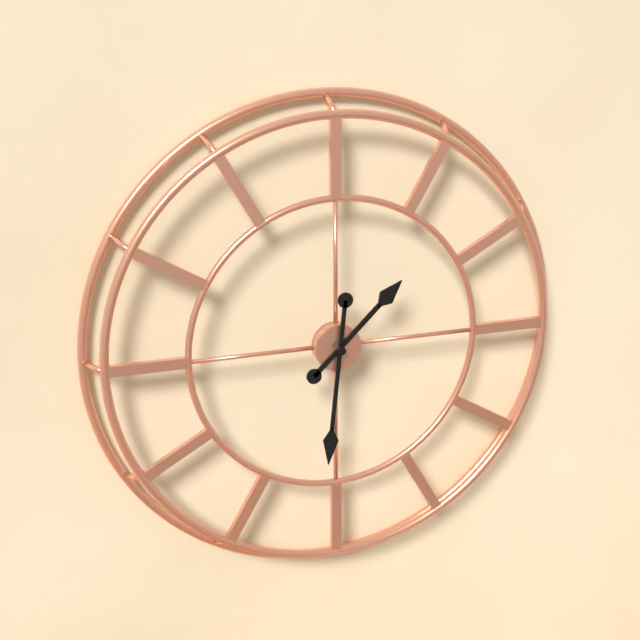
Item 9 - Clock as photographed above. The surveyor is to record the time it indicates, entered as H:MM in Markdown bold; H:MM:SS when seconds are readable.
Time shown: **1:31**
